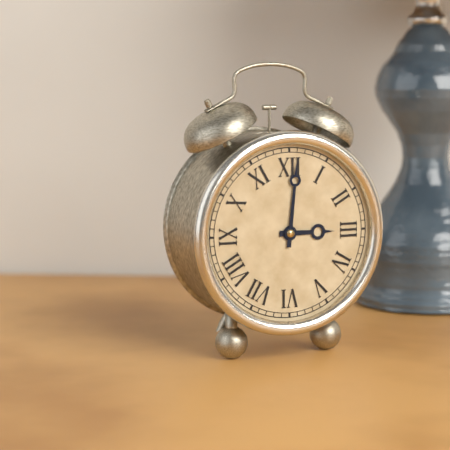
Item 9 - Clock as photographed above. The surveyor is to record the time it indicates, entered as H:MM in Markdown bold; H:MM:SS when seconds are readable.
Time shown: **3:01**
